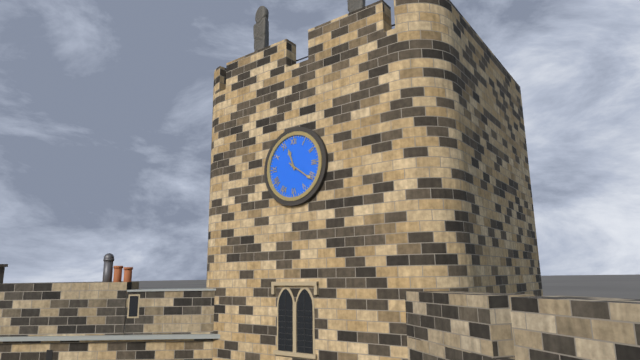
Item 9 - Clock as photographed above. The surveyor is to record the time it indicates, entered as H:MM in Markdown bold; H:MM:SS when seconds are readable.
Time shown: **11:21**
